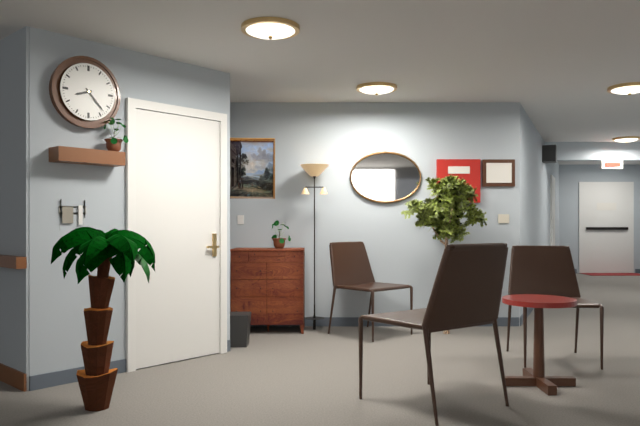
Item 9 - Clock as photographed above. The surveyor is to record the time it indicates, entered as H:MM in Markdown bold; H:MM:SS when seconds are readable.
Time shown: **8:23**
